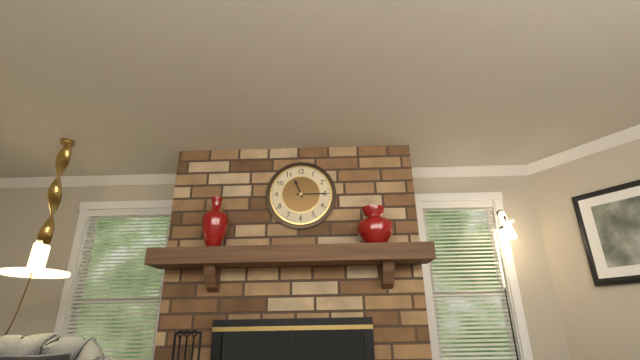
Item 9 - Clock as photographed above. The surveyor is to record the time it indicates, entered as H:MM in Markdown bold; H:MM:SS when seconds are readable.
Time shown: **11:15**
